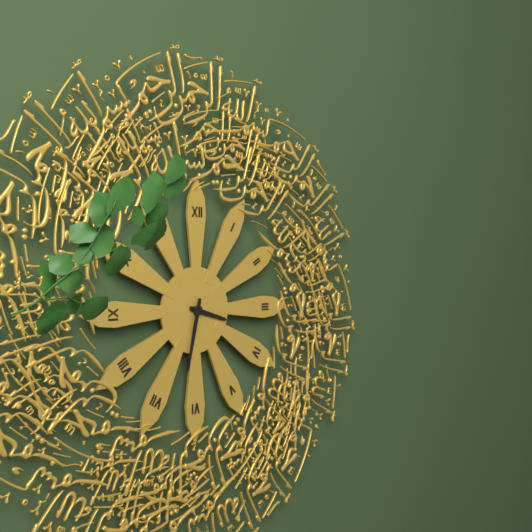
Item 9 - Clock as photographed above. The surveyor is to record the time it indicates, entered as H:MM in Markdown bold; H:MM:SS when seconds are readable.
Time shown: **3:32**
